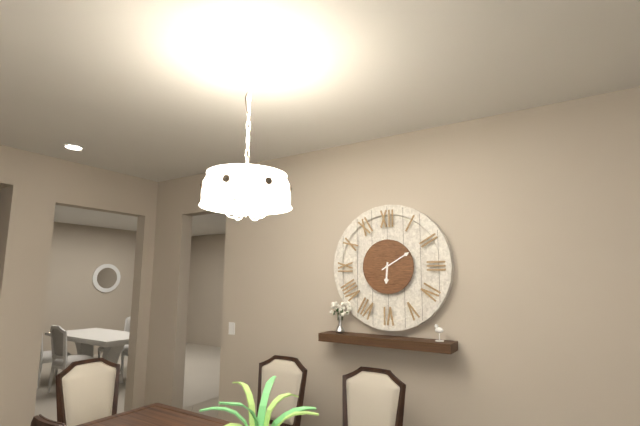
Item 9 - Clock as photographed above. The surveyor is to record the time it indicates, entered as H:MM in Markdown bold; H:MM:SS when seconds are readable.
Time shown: **6:10**
